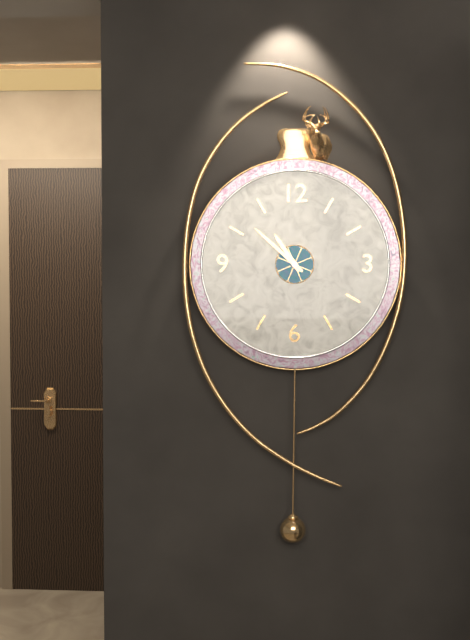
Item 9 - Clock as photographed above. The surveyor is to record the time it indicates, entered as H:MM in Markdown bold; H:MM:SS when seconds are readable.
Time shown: **10:52**
